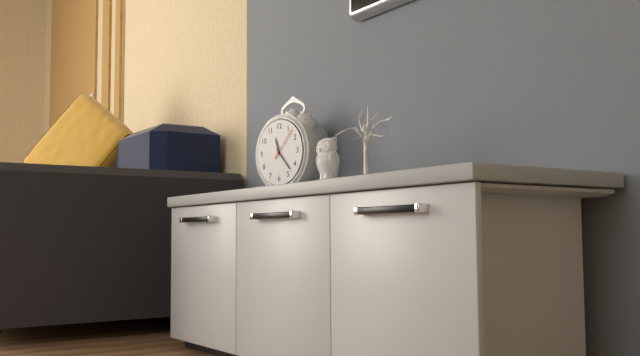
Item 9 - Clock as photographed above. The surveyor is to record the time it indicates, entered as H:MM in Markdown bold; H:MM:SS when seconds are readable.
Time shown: **11:23**
